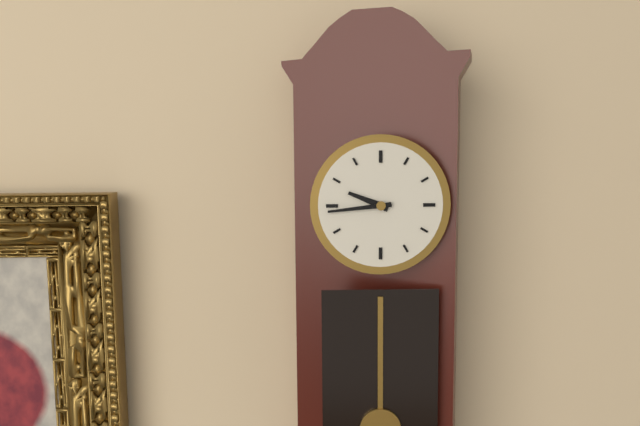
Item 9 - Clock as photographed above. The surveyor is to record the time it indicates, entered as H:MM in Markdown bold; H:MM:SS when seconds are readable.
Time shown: **9:44**
